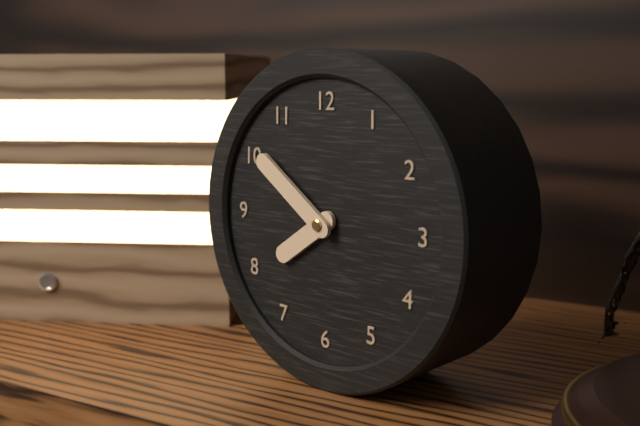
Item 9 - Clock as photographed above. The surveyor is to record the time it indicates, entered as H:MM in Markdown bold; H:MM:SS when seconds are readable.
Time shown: **7:51**
